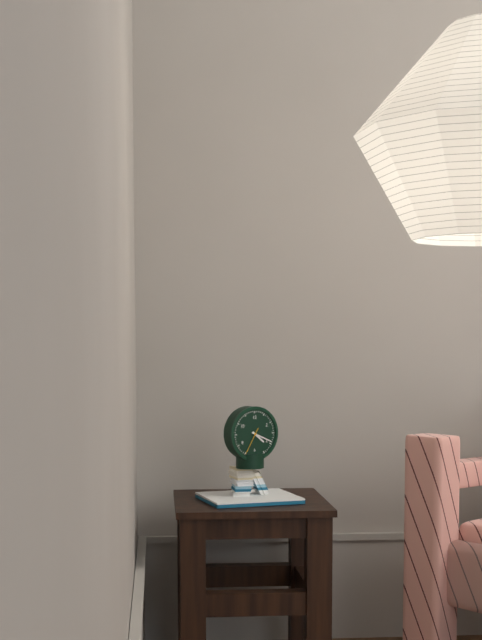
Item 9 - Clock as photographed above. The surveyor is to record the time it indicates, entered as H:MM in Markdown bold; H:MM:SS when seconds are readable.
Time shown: **4:19**
